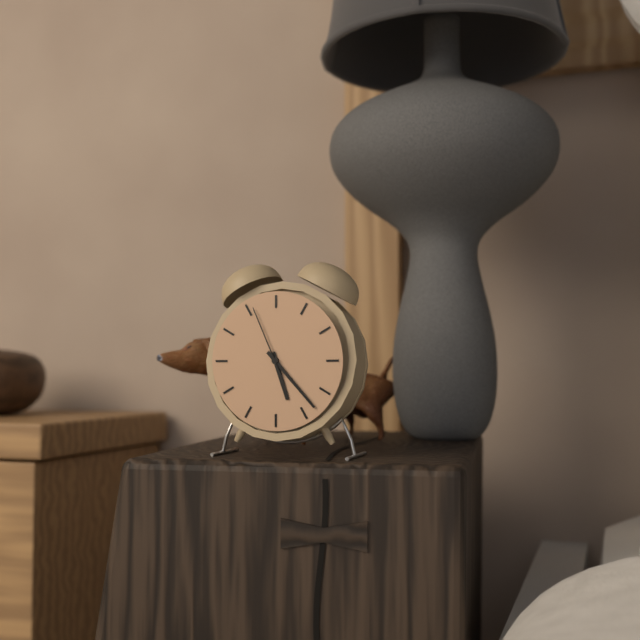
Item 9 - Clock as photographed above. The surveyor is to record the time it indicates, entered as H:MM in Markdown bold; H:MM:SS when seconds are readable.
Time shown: **5:23:56**
